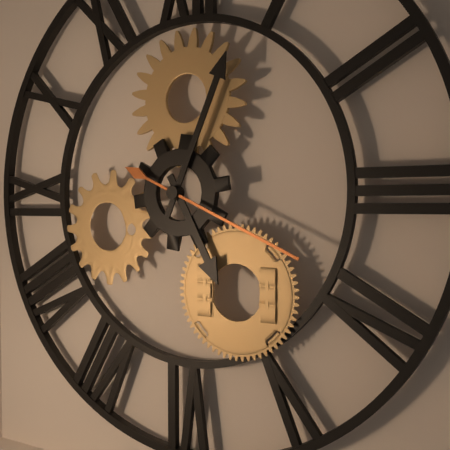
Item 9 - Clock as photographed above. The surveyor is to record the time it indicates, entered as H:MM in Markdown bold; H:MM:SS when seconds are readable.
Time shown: **5:04:19**
